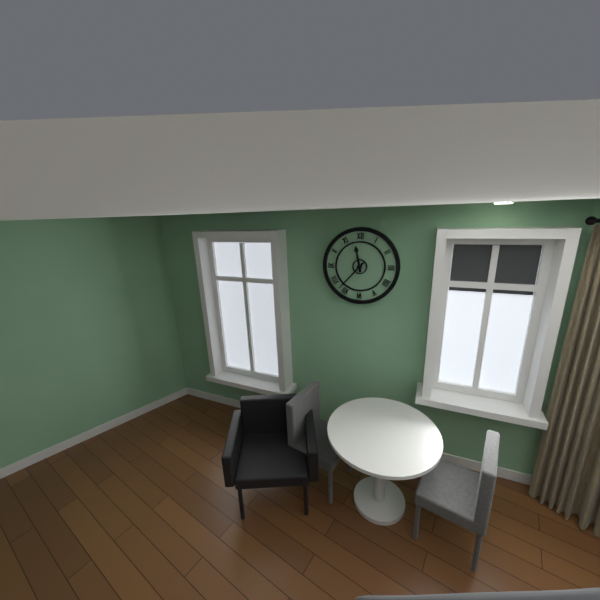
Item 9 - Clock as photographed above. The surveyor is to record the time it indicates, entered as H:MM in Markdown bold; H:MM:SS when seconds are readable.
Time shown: **11:37**
